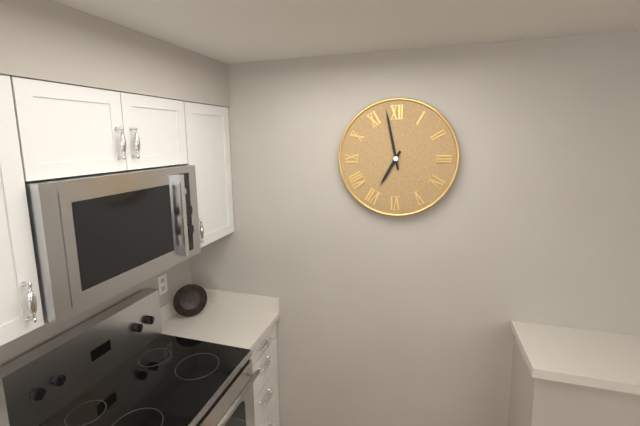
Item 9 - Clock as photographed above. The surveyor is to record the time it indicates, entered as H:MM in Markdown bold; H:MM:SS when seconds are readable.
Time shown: **6:58**
